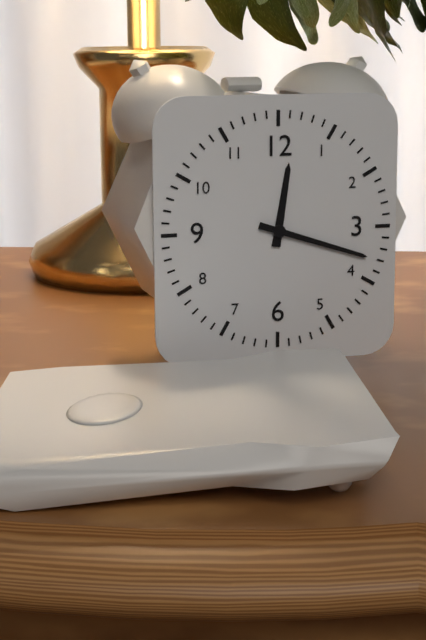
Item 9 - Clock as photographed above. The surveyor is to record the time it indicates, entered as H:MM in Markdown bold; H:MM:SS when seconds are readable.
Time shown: **12:18**
